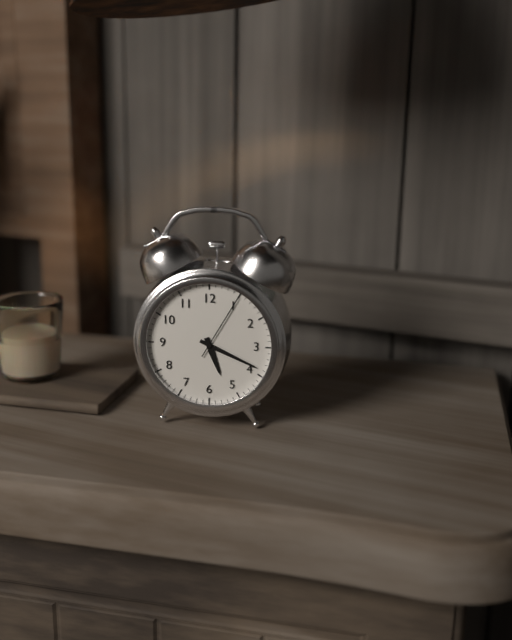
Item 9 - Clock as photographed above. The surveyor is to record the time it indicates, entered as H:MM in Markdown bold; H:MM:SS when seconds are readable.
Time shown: **5:19:05**
